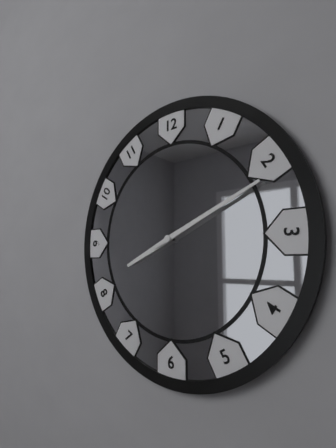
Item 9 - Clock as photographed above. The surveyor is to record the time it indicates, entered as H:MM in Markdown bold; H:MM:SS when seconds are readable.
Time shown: **8:11**
